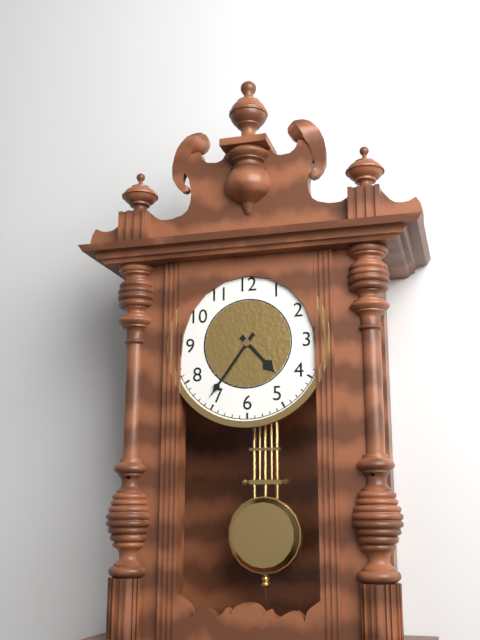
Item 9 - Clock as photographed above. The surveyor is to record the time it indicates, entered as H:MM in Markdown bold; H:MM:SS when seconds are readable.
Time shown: **4:36**
